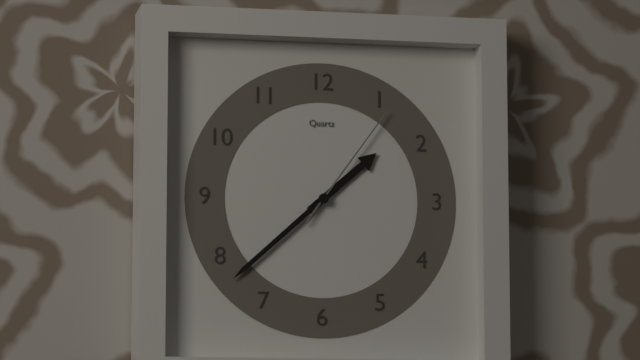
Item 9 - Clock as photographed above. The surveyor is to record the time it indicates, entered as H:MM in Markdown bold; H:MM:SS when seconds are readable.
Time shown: **1:38:06**
